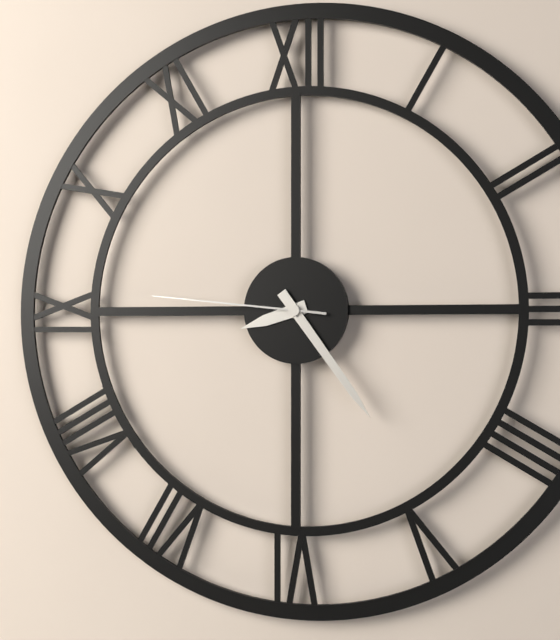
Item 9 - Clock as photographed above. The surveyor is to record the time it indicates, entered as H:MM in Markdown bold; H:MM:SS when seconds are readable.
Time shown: **8:24:46**
